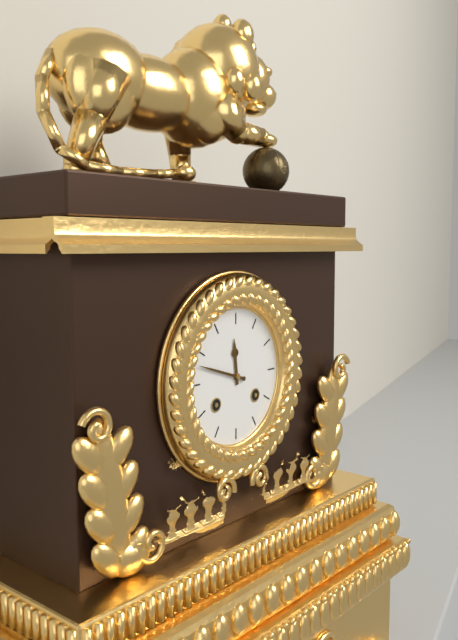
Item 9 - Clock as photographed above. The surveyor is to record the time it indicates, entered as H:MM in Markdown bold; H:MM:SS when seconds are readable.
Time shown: **11:48**
